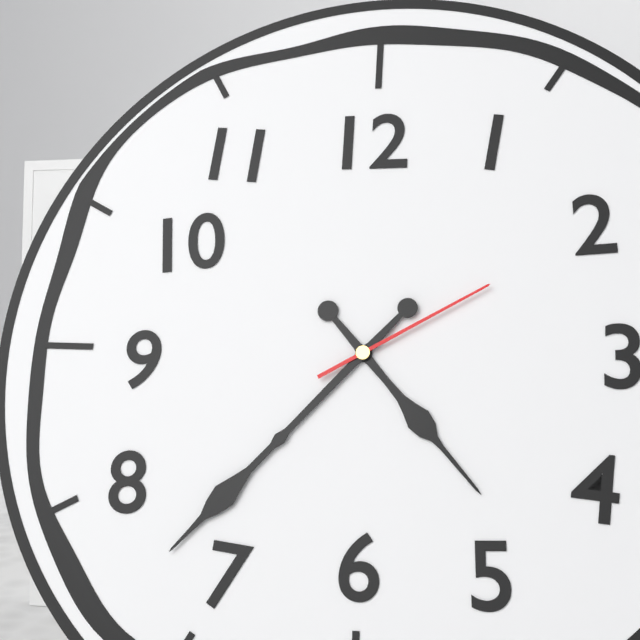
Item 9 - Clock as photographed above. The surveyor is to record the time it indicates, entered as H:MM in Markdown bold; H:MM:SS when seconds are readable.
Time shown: **4:37:10**
